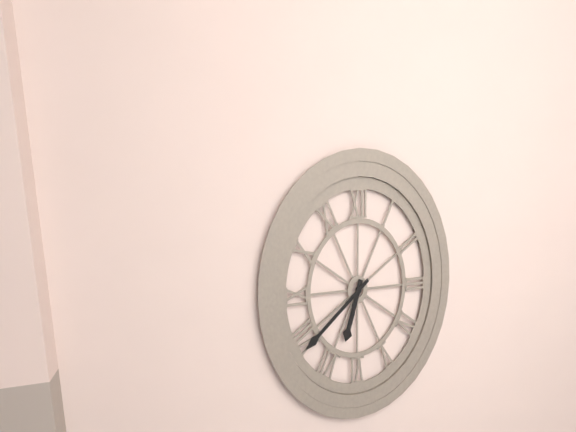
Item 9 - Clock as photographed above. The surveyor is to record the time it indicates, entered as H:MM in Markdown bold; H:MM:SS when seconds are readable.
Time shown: **6:39**
